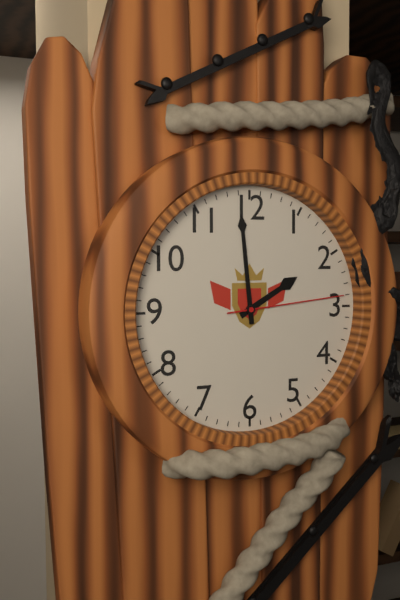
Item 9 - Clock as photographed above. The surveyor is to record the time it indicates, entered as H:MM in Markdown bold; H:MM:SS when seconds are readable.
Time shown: **1:59:14**
